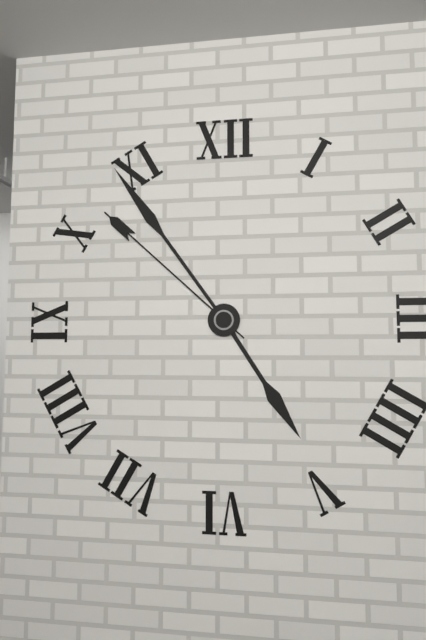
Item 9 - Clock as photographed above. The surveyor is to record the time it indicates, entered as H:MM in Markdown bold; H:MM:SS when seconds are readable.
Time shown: **4:54:52**
